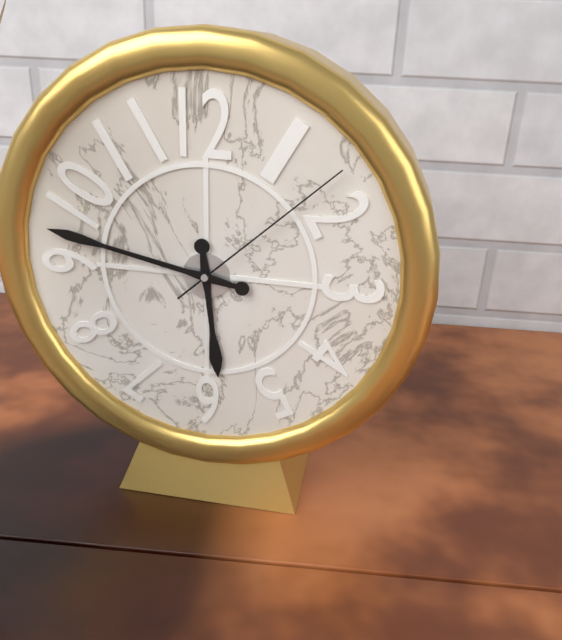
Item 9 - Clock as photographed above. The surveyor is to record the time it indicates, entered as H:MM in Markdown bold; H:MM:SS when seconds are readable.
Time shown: **5:47:08**
